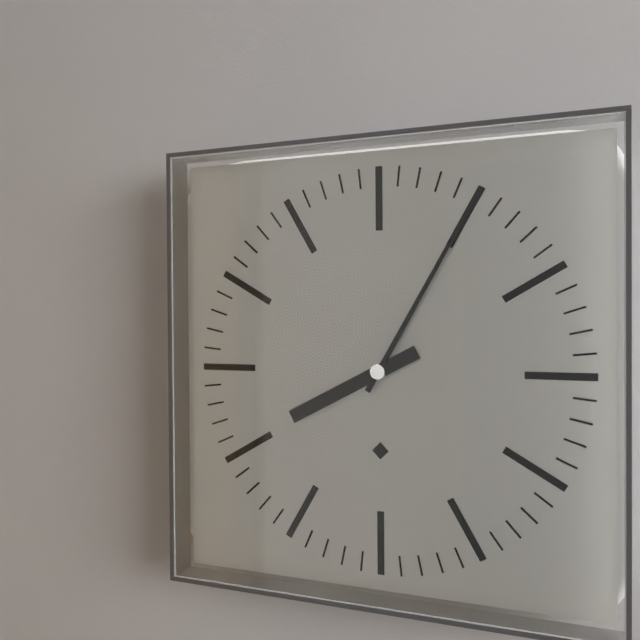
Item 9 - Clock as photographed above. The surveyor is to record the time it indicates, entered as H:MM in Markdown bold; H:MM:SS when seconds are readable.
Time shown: **8:05**
